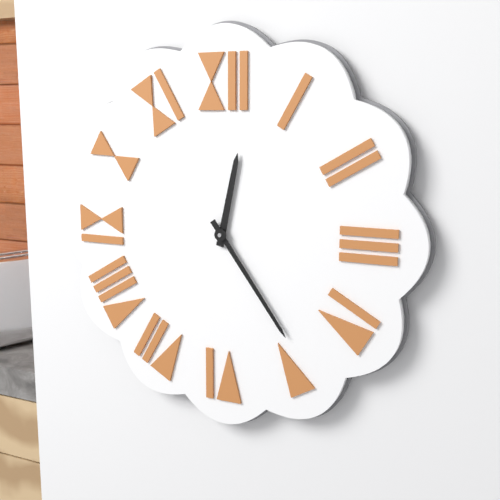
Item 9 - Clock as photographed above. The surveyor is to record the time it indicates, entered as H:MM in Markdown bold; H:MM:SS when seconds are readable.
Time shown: **12:24**
